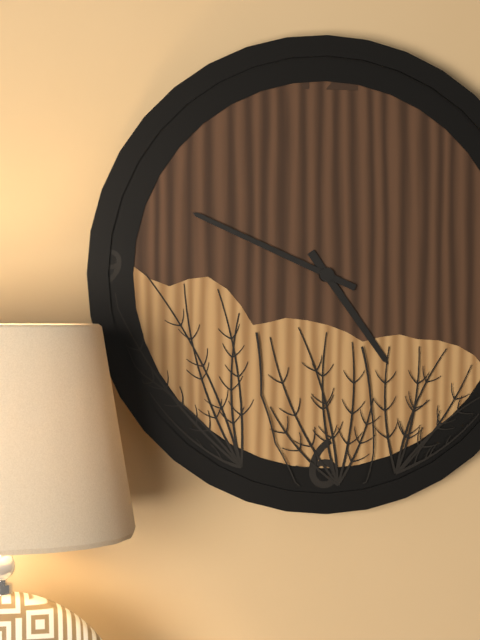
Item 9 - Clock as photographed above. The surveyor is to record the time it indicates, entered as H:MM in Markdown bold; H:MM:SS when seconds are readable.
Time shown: **4:49**
